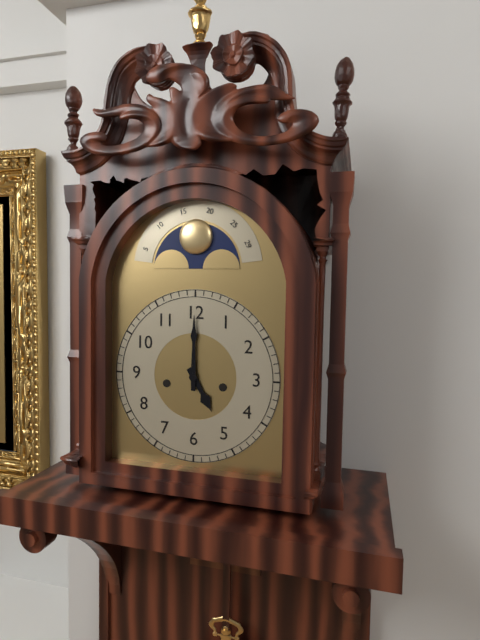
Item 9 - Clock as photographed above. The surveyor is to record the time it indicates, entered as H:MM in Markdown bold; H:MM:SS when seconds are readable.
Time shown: **5:00**
